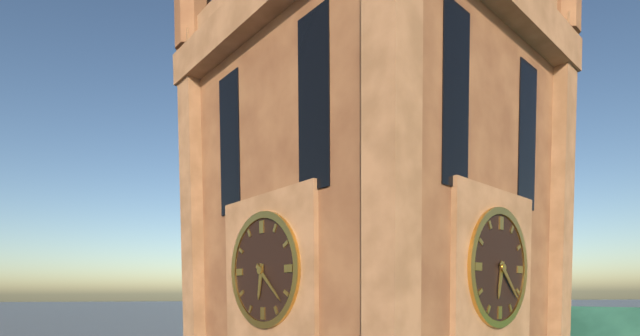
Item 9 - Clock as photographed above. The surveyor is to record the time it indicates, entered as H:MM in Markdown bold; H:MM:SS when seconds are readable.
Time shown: **6:22**
